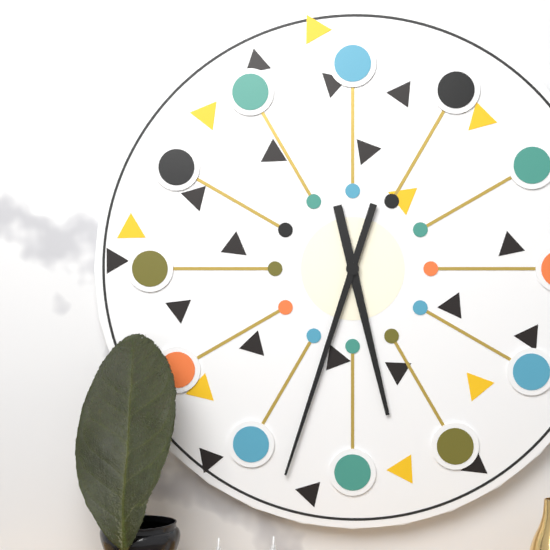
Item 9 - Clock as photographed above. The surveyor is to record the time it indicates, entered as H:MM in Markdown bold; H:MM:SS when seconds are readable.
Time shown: **5:33**
